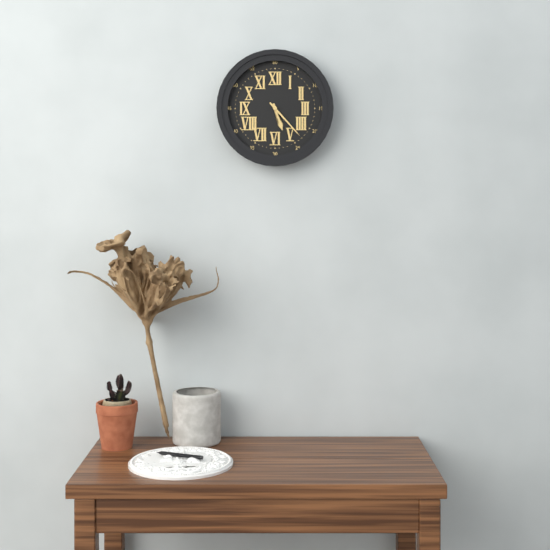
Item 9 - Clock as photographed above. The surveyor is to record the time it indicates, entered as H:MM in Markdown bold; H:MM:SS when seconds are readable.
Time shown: **5:23**
